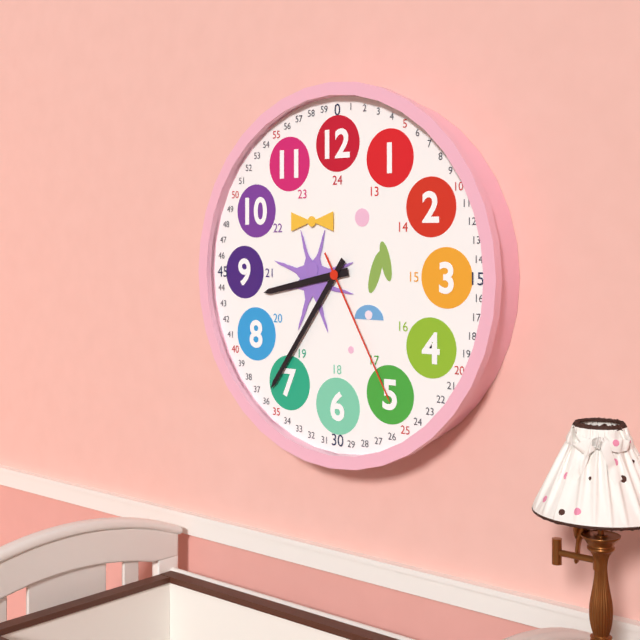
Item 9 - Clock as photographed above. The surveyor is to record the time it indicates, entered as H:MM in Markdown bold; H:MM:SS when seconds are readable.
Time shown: **8:36:25**
